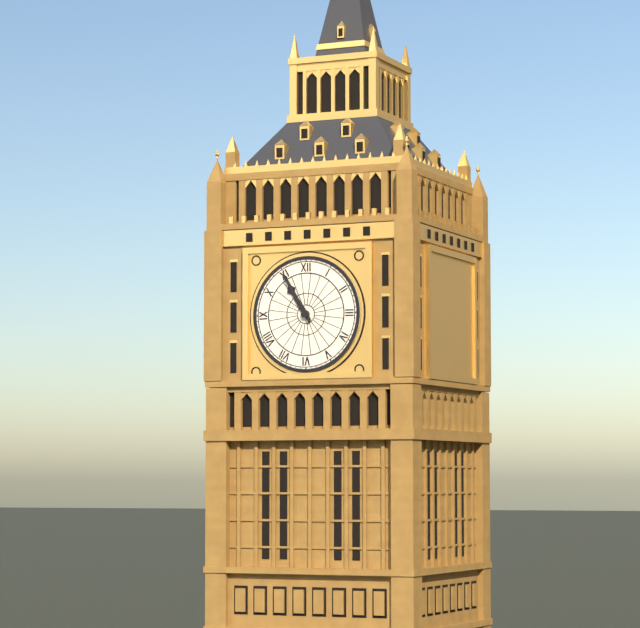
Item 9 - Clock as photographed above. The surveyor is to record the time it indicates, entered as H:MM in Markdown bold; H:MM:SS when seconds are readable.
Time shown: **10:55**
